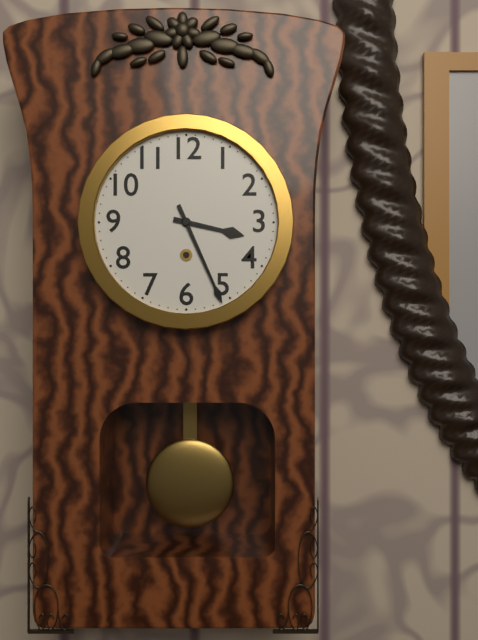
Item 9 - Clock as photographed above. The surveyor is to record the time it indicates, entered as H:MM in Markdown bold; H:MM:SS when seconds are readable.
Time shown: **3:26**
